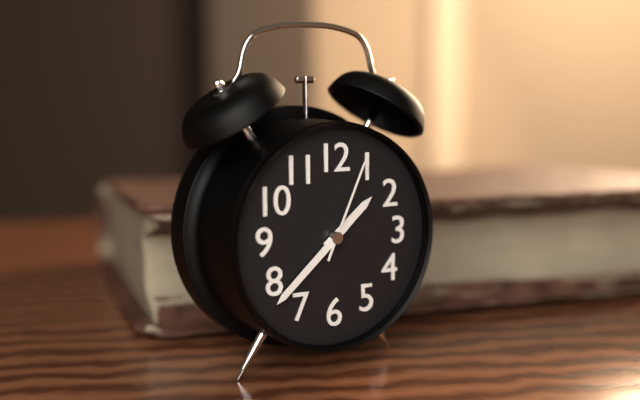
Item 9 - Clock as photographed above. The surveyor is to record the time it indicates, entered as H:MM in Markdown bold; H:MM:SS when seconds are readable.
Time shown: **1:38:04**
